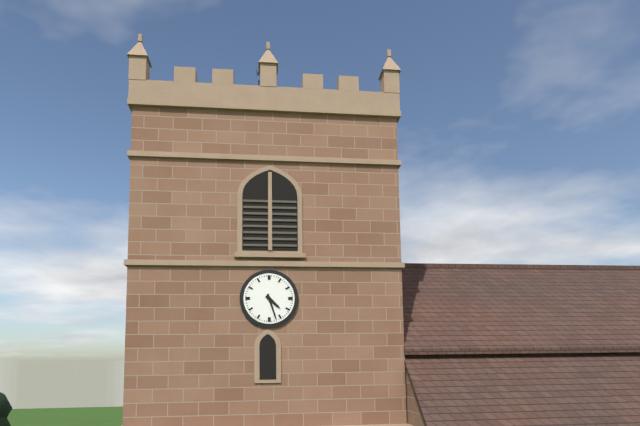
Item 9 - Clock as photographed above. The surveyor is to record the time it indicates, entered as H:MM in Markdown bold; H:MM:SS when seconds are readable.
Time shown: **4:27**
